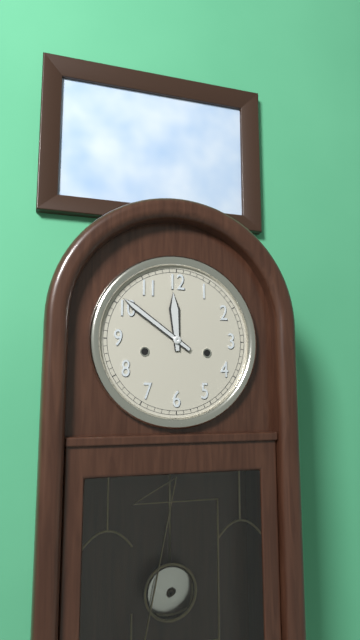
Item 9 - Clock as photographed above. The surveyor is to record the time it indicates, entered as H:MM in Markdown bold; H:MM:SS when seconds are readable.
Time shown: **11:51**
